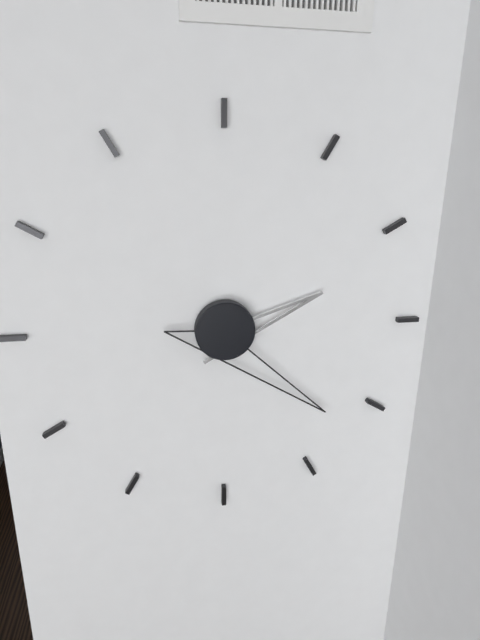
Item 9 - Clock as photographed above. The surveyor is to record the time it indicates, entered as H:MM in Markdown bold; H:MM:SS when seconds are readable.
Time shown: **2:22**
